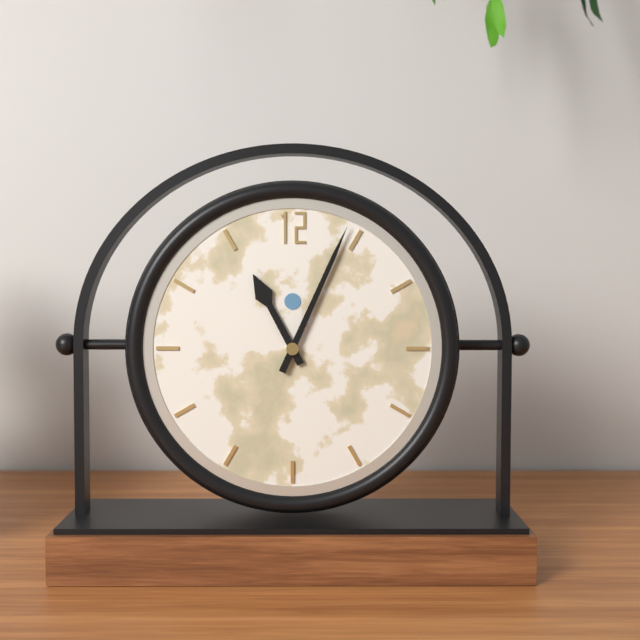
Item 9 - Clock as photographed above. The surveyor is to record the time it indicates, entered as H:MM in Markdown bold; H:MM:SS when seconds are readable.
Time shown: **11:04**
